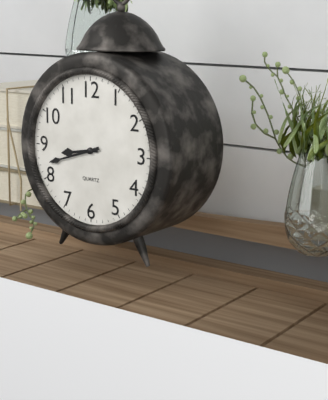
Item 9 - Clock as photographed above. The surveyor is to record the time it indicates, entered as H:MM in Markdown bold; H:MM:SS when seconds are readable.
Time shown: **8:42**
